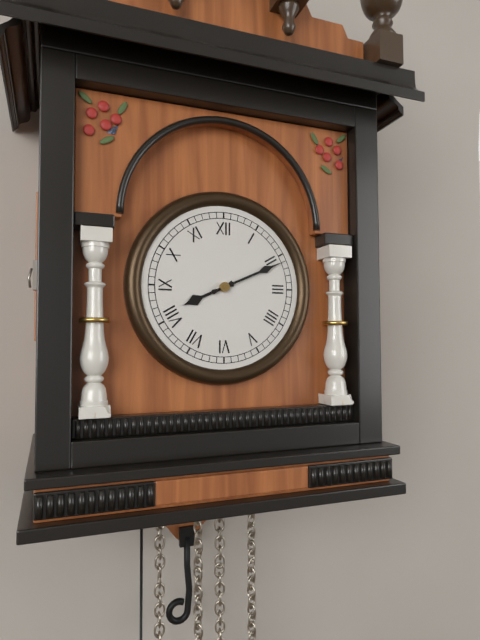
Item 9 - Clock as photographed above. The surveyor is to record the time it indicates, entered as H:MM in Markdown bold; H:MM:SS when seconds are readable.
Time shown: **8:11**
